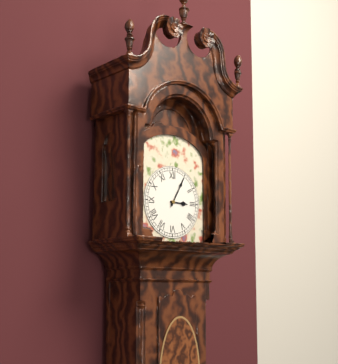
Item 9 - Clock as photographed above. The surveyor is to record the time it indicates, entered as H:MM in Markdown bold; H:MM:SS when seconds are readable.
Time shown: **3:05**
